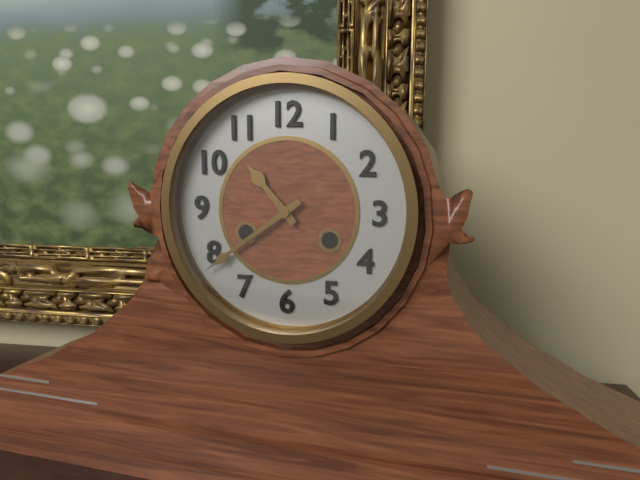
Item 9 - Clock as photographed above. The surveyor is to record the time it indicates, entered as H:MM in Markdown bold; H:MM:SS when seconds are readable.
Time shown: **10:39**
